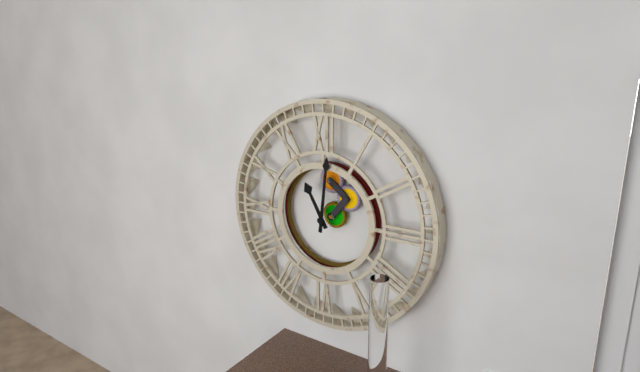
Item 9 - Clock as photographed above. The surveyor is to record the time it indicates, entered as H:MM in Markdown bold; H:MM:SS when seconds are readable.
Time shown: **11:01**
